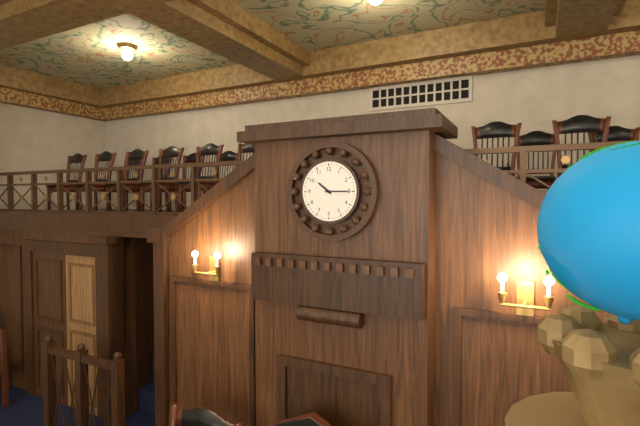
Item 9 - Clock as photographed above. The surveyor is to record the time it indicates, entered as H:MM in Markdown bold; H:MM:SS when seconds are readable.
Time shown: **10:15**
